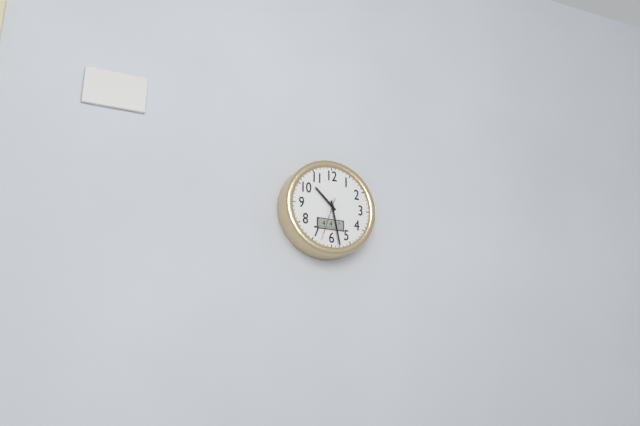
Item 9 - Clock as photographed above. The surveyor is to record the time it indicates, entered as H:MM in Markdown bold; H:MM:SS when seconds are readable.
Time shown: **10:28**
